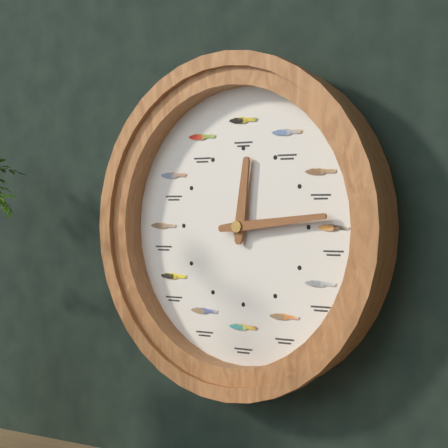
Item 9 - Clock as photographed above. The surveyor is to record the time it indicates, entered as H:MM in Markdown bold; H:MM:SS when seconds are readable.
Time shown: **12:14**
